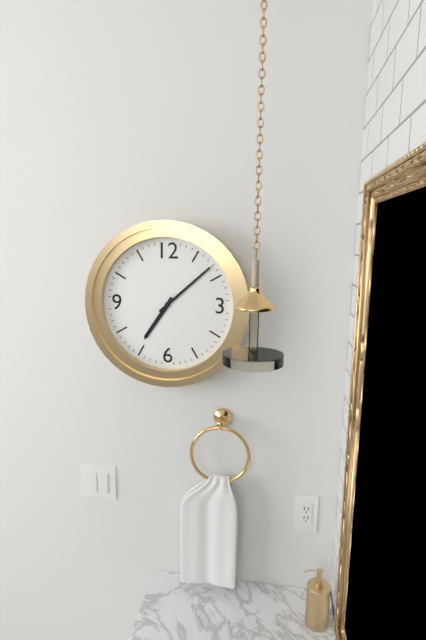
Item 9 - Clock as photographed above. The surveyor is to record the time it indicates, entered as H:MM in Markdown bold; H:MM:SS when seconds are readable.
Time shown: **7:08**
